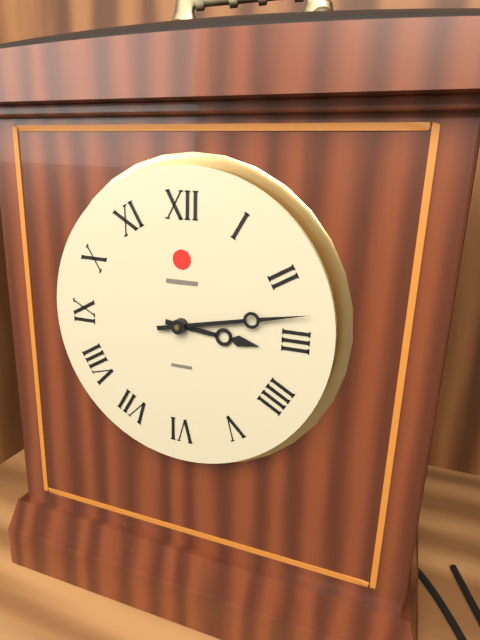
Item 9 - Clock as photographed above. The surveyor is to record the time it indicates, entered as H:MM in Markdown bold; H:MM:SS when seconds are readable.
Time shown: **3:13**
